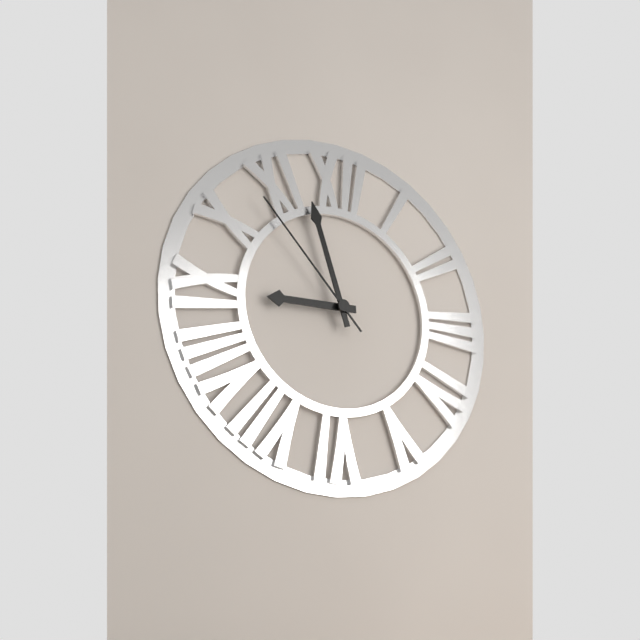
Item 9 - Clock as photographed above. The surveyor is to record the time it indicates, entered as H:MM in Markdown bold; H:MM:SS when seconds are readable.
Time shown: **8:57:53**
